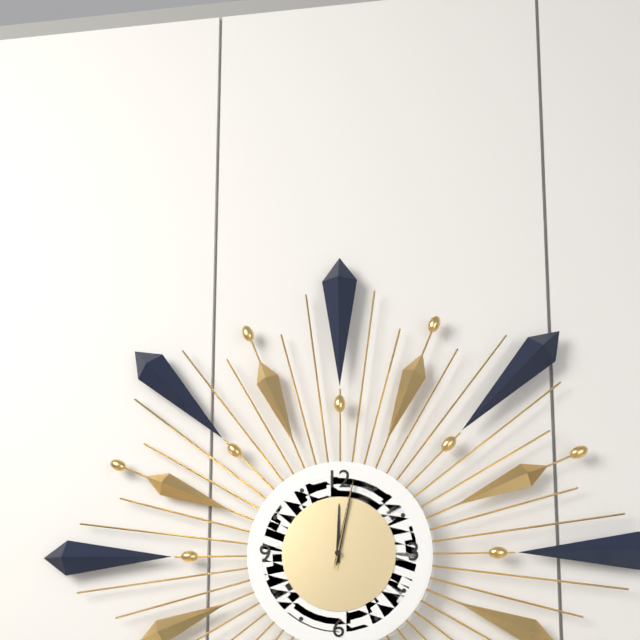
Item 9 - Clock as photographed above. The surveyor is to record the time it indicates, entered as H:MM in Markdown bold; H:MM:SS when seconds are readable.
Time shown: **12:02:02**
